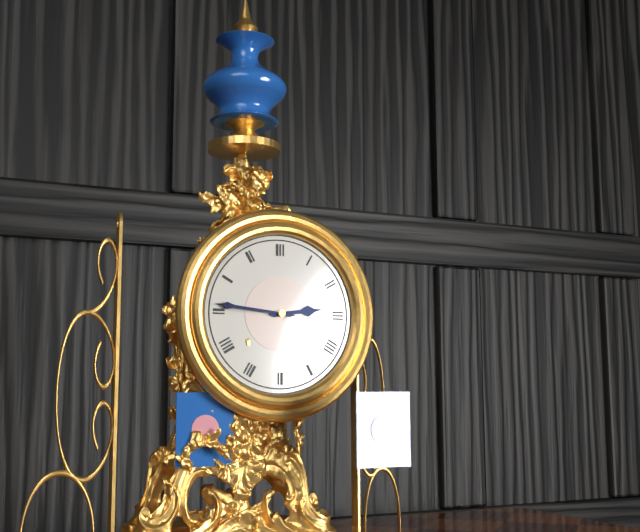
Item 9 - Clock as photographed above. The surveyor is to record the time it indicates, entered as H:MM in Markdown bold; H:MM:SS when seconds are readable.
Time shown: **2:46**
